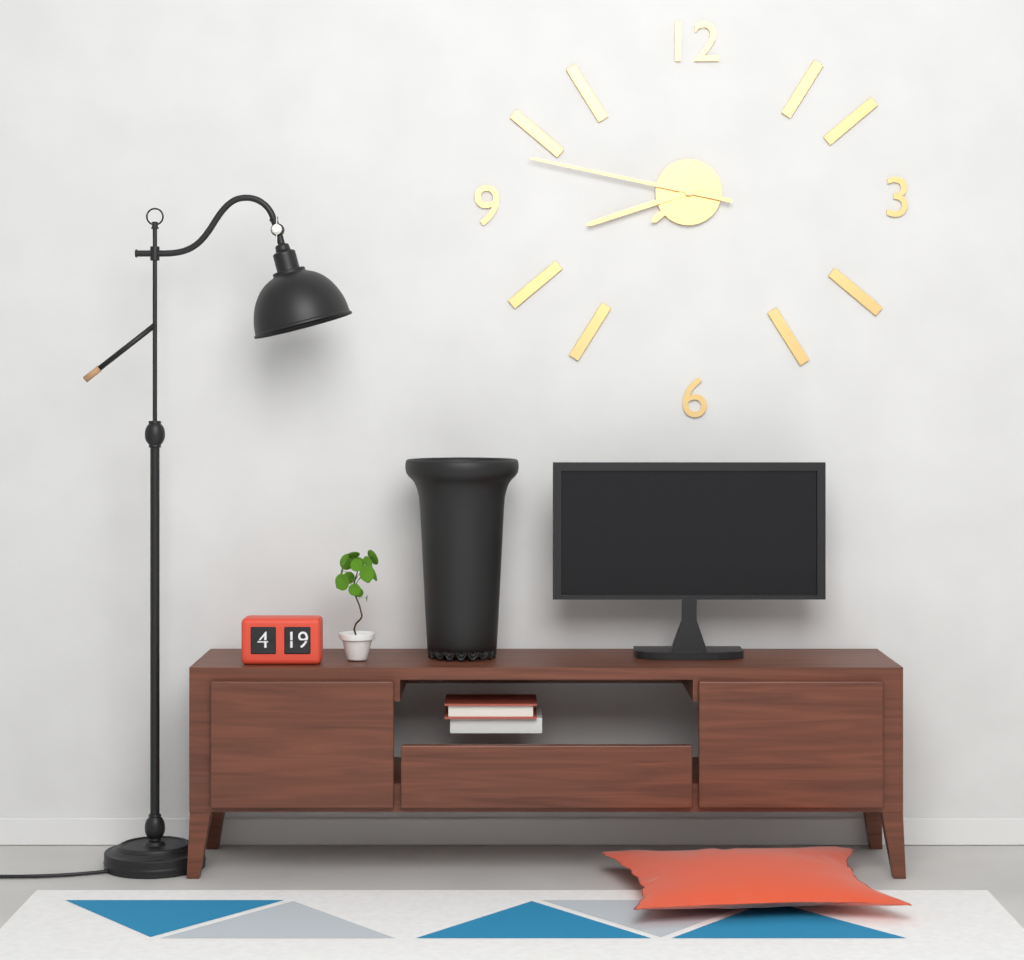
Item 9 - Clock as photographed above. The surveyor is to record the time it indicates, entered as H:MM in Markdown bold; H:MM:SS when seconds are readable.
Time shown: **7:42:47**
